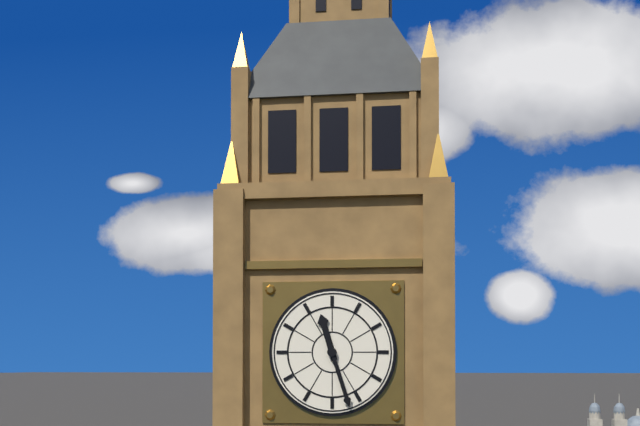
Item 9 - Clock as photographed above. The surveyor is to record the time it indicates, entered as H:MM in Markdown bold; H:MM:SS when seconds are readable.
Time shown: **11:27**
